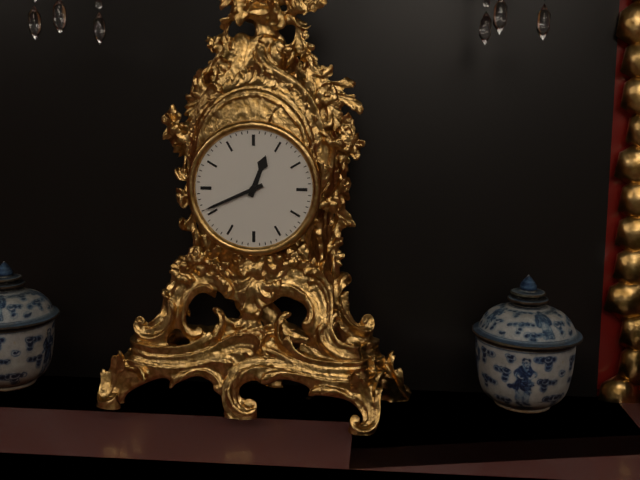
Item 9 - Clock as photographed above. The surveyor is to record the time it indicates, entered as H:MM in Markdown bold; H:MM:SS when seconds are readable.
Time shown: **12:41**
